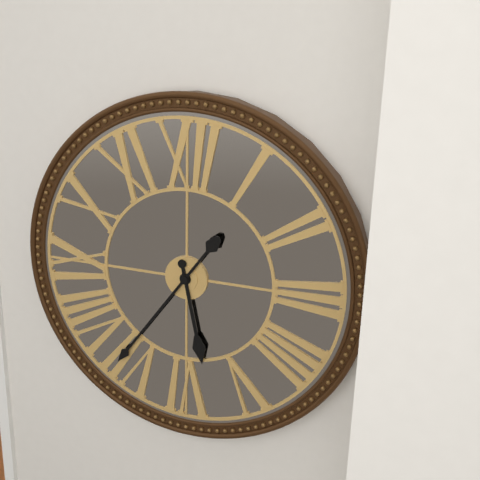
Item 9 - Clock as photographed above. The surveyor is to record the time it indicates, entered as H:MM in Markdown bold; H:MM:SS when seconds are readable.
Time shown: **5:36**
